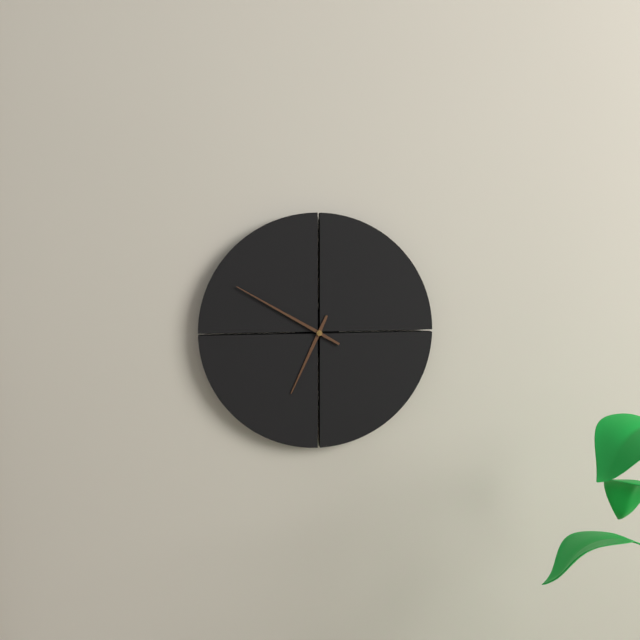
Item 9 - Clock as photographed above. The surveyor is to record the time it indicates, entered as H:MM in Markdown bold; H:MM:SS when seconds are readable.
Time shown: **6:50**
